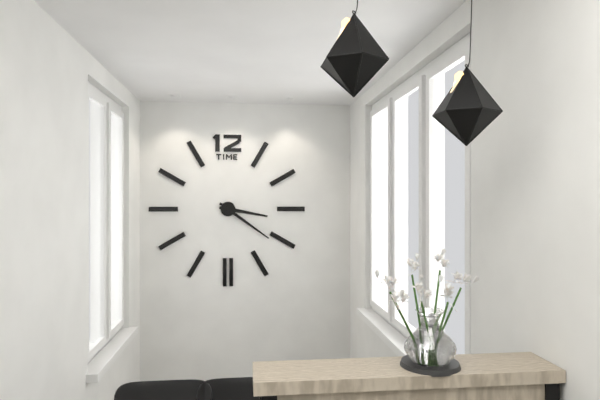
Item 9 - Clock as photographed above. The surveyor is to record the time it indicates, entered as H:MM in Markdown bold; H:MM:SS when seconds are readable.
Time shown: **3:21**
